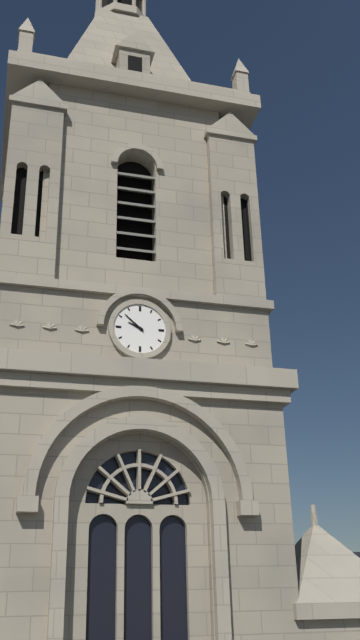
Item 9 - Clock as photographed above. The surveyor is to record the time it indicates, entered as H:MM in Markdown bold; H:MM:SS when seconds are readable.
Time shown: **9:52**
